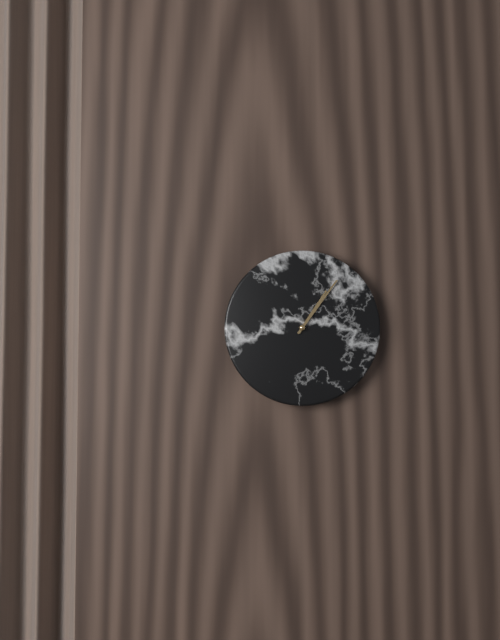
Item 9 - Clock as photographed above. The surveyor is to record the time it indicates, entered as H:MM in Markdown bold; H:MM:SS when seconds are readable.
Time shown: **1:06**
